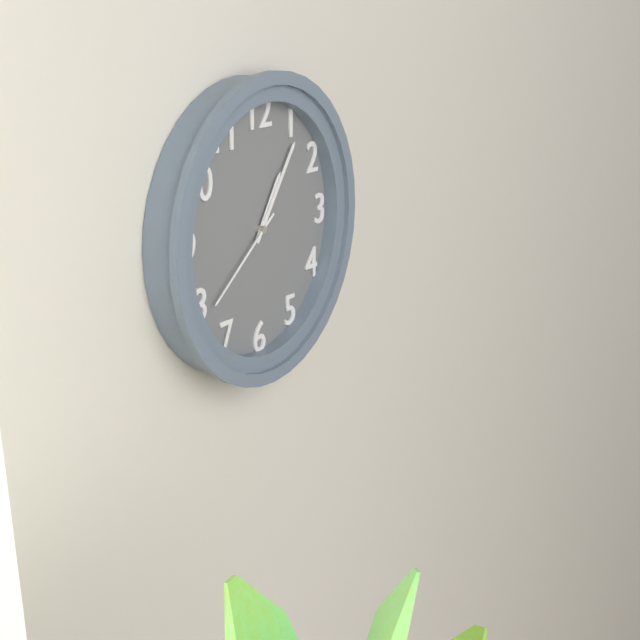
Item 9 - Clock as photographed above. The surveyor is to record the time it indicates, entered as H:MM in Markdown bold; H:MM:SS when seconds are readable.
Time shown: **1:06:39**
